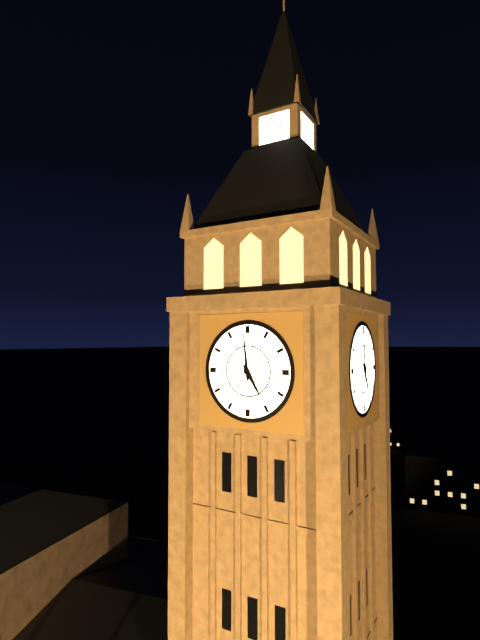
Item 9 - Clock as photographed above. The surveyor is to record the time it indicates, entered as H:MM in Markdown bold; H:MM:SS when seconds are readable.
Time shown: **4:59**
